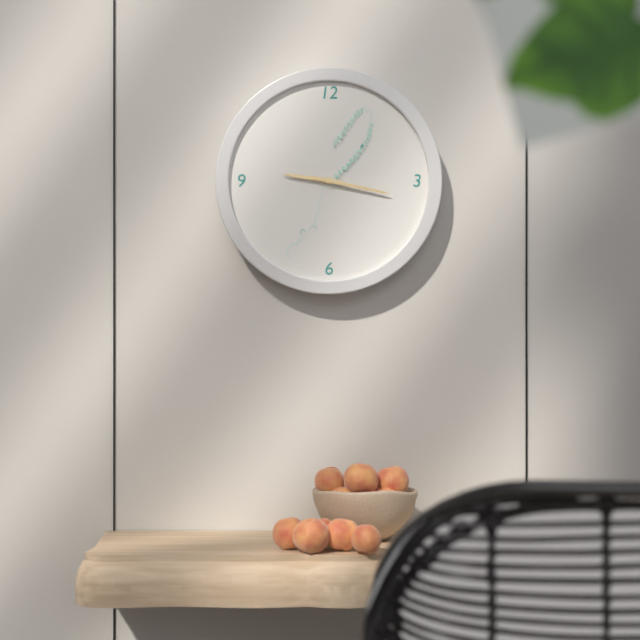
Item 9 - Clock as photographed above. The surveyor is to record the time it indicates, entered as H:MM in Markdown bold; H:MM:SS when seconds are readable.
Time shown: **9:17**
